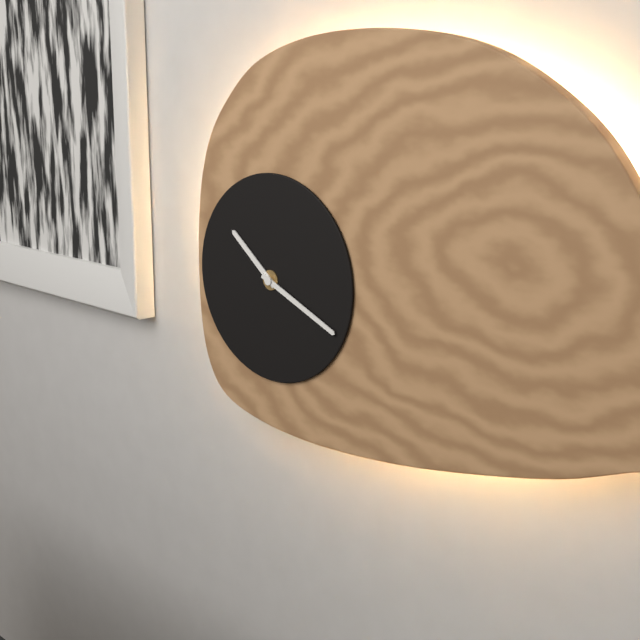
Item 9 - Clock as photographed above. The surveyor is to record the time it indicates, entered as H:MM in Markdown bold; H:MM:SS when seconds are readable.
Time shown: **10:19**
